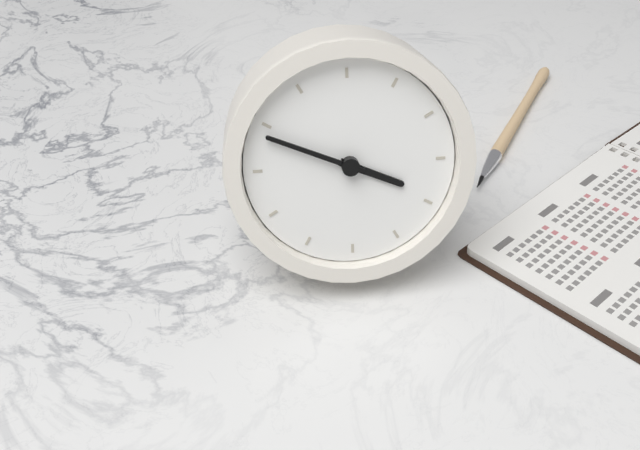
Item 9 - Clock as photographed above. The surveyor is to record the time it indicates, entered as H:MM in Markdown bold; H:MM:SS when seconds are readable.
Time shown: **3:49**
